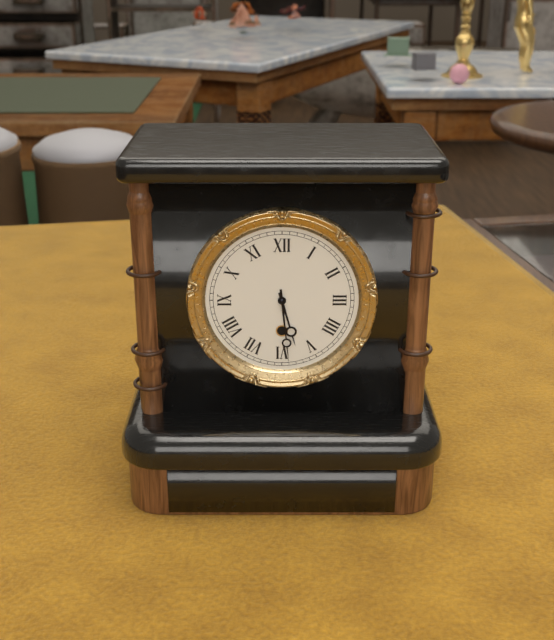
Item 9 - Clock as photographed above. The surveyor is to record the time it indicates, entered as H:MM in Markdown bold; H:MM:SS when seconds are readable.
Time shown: **5:29**
